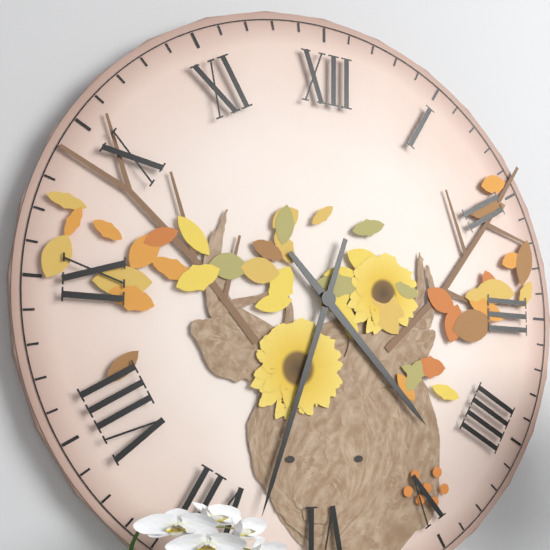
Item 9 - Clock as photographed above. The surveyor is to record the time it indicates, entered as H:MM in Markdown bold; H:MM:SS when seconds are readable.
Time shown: **4:33**
